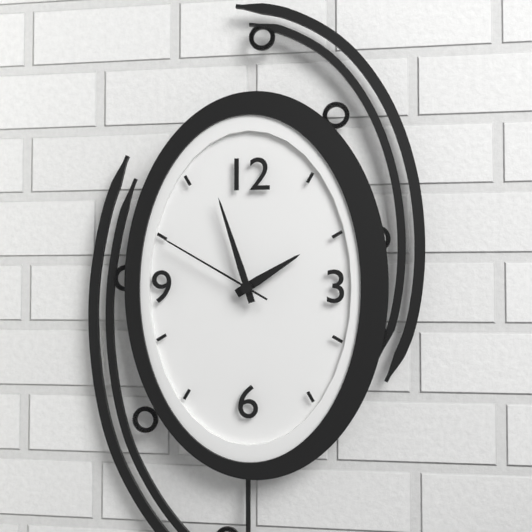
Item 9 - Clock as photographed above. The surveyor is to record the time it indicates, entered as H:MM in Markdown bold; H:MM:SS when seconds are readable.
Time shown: **1:57:50**
